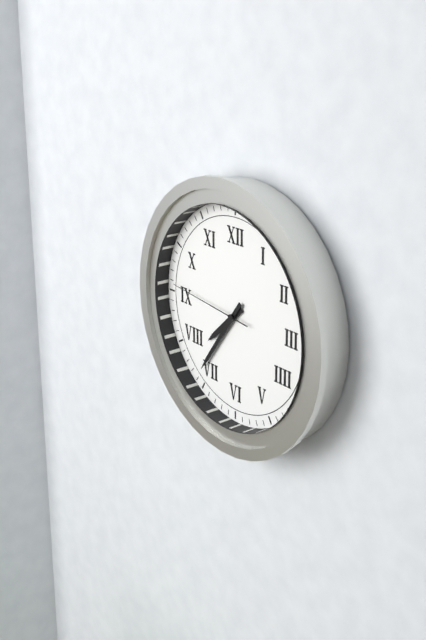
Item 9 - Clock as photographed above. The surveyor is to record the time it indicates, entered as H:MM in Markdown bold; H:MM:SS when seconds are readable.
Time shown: **7:36:46**
